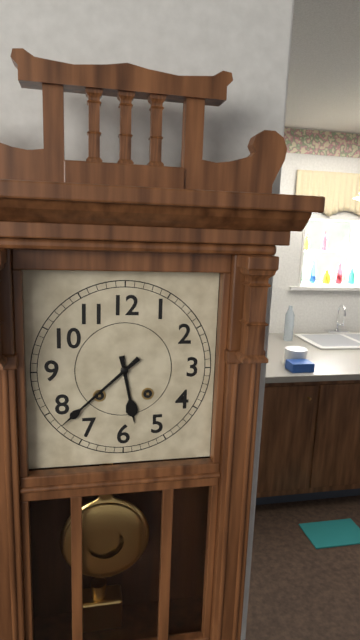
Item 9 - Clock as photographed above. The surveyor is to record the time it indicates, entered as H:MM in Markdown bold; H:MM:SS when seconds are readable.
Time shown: **5:38**
